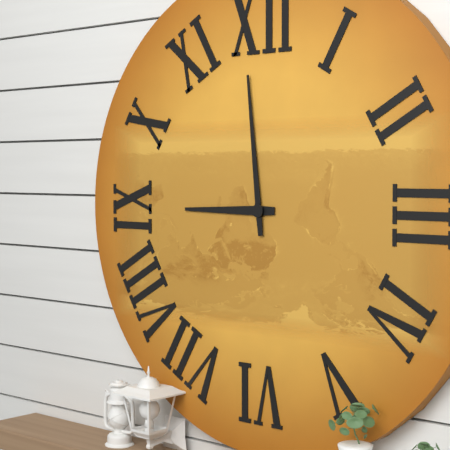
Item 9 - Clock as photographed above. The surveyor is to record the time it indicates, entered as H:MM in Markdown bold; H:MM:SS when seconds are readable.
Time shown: **8:59**
